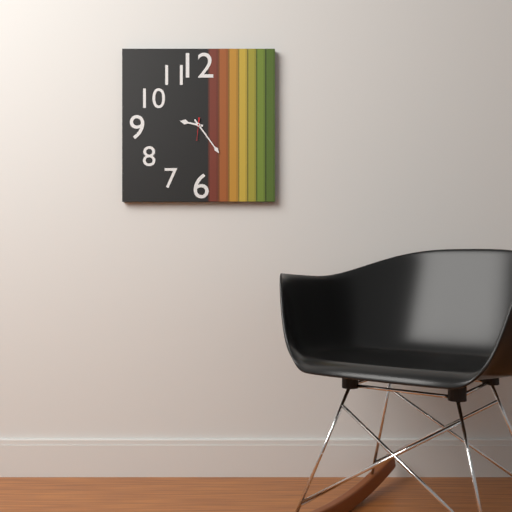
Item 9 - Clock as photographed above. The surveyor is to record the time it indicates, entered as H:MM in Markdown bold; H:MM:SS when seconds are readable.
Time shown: **9:24**
